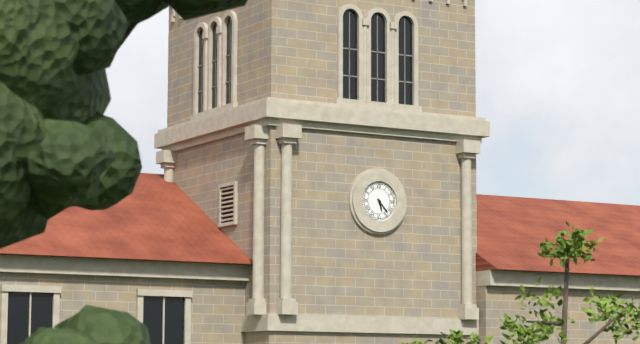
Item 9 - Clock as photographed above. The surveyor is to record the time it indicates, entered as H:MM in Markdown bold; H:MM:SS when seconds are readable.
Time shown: **5:23**
